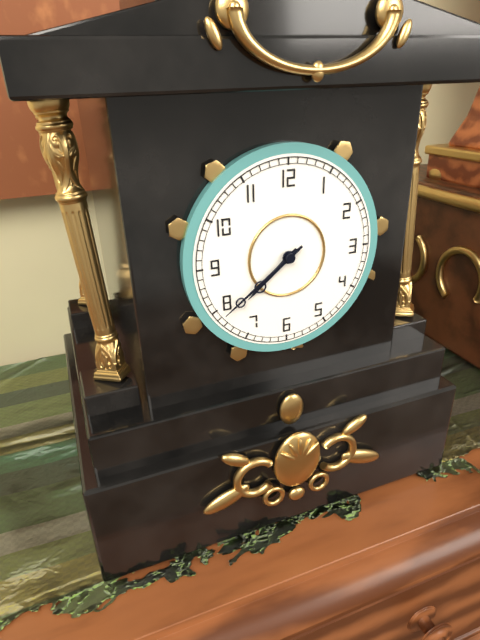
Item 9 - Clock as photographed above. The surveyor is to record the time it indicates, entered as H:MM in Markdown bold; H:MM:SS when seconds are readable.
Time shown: **7:39**
